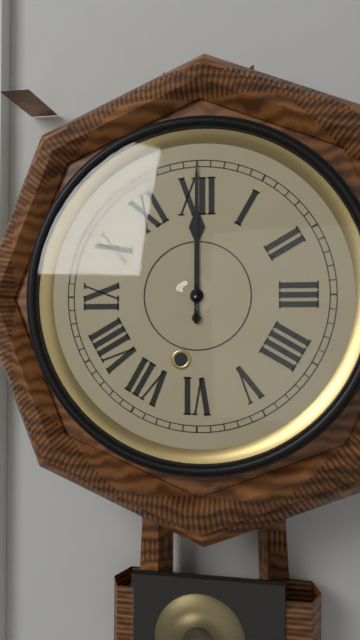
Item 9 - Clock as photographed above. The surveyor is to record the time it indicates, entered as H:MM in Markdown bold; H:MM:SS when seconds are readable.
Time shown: **12:00**
